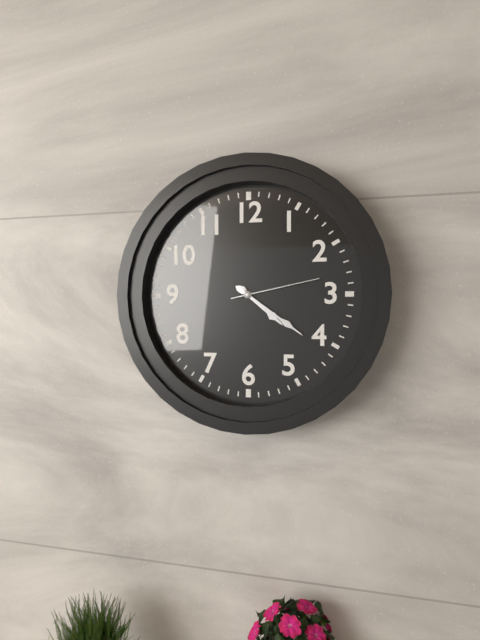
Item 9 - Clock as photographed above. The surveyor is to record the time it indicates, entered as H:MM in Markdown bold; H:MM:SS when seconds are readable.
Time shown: **4:21:13**
